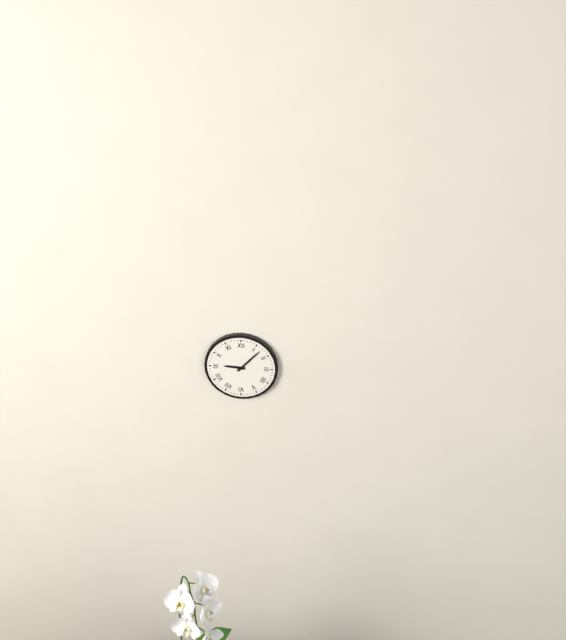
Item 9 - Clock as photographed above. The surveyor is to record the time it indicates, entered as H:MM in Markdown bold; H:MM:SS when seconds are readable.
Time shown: **9:07**
